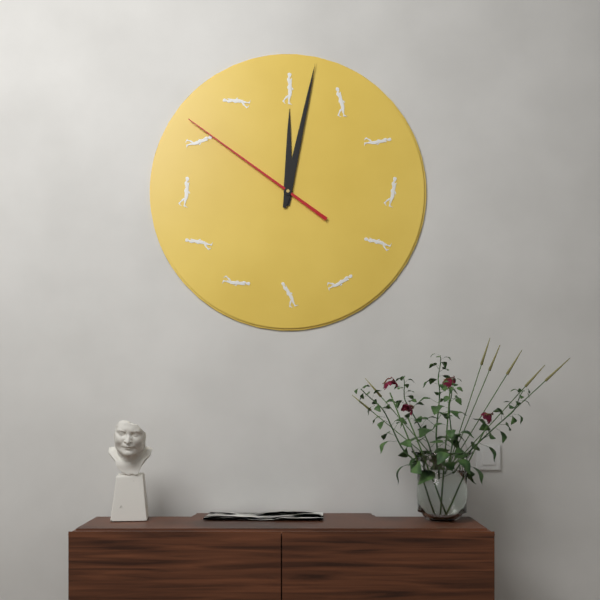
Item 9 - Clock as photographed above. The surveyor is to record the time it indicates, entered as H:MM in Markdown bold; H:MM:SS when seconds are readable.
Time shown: **12:02:51**
